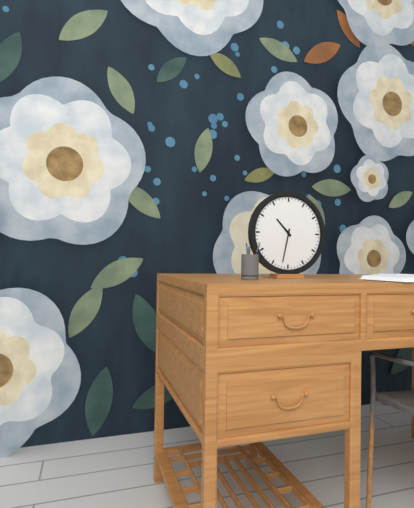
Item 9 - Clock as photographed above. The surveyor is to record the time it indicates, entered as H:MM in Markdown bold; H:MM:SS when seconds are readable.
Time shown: **10:32**
